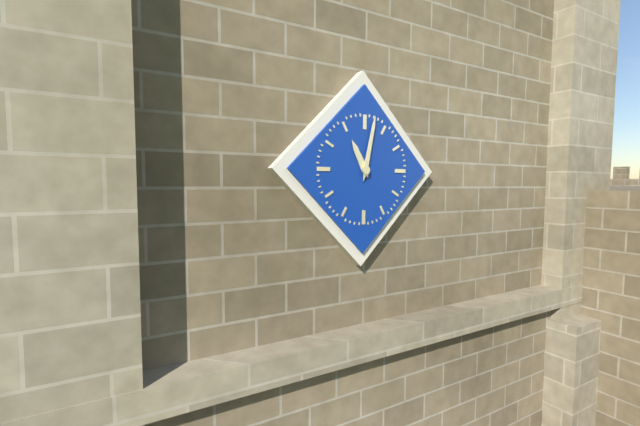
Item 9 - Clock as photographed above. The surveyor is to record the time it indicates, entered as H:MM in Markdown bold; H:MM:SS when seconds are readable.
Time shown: **11:02**
